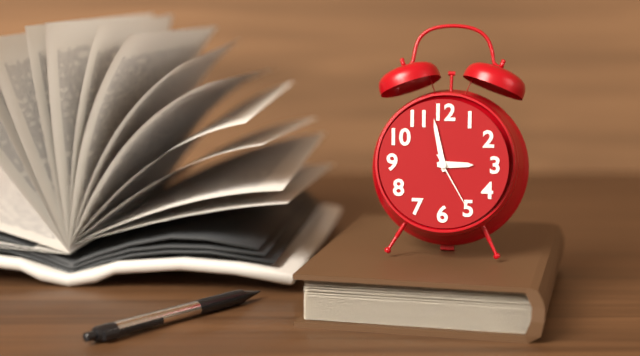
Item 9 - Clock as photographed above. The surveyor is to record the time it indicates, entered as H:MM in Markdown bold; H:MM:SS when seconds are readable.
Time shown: **2:58:25**
